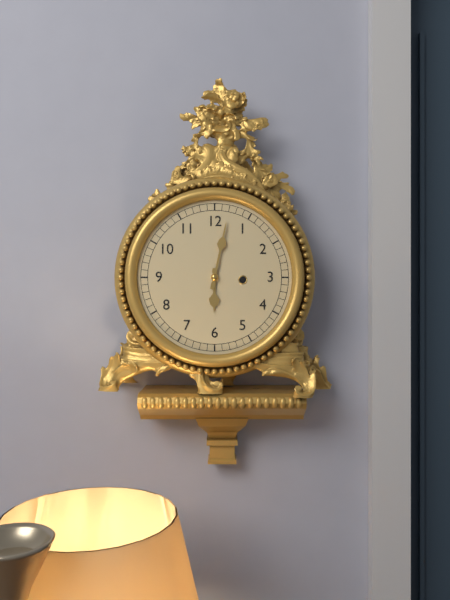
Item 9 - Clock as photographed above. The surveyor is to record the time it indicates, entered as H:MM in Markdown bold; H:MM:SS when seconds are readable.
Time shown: **6:02**
